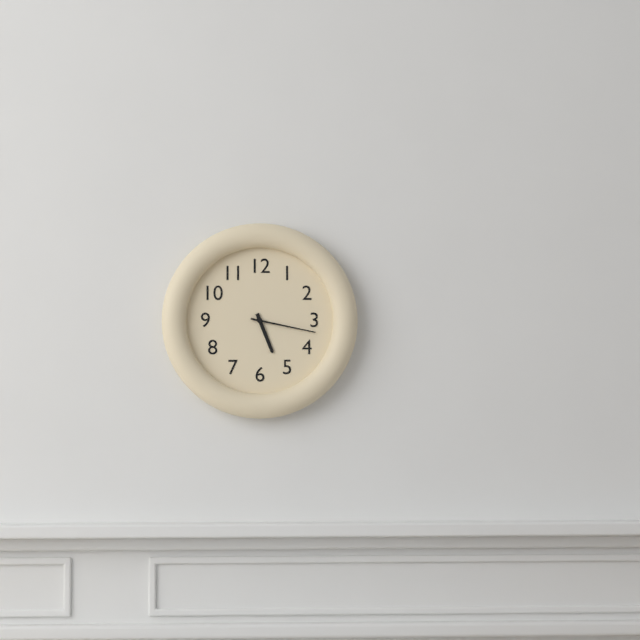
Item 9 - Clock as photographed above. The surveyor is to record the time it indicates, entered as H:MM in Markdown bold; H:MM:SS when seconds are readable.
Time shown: **5:17**
